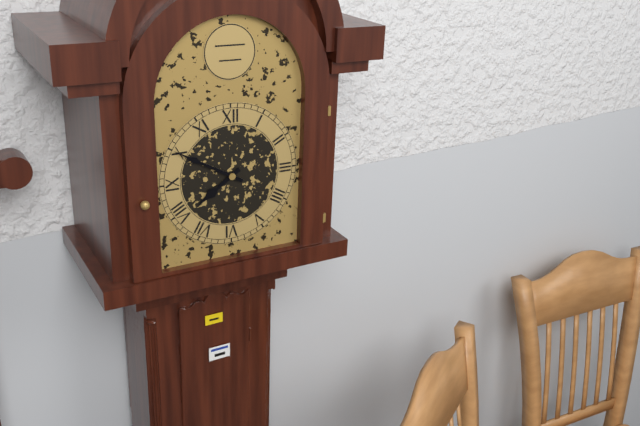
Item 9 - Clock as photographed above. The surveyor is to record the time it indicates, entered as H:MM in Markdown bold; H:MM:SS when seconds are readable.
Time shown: **7:50**
